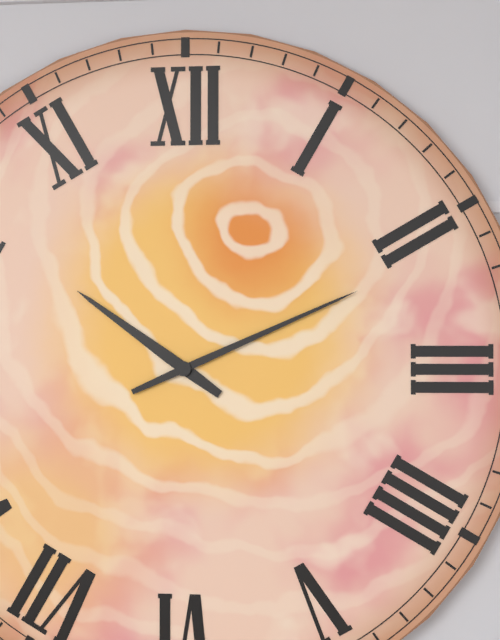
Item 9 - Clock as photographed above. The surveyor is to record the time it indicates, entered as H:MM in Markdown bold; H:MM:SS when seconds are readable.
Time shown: **10:11**
